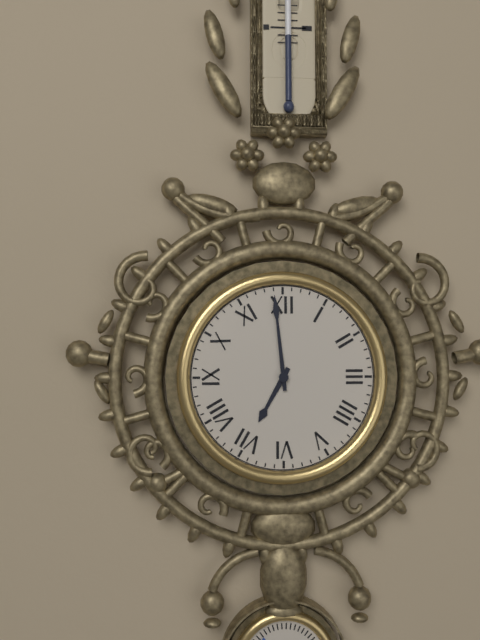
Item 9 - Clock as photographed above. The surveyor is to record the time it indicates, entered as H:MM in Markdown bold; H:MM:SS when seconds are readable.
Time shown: **6:59**
